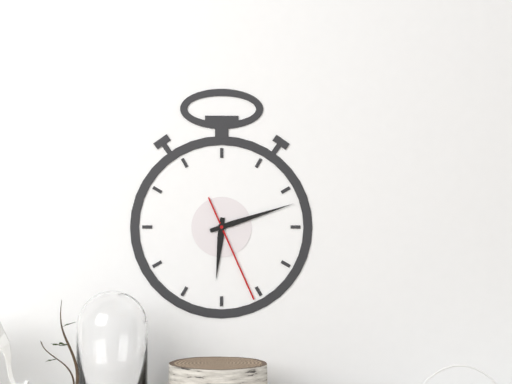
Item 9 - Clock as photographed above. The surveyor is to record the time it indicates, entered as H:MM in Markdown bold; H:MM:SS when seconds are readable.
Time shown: **6:12:26**
